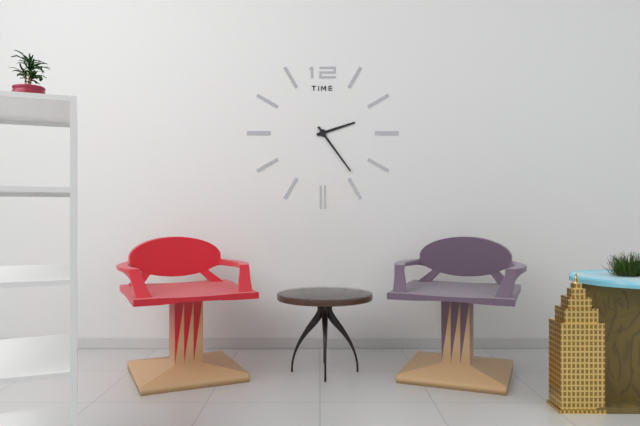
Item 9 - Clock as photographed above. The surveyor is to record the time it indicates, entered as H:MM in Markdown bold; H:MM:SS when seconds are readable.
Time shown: **2:24**
